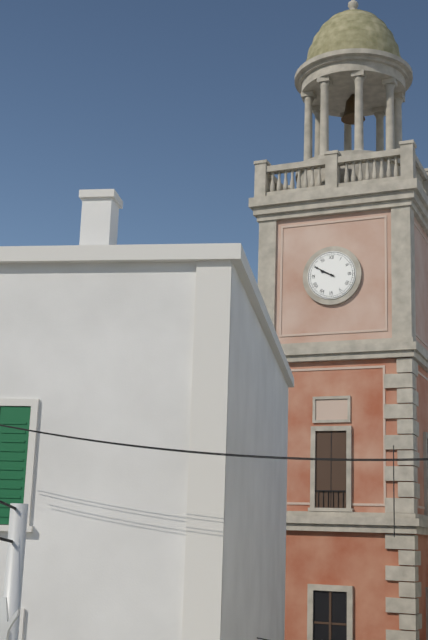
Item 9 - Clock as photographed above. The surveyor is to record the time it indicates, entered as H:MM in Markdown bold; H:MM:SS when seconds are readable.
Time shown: **9:50**
